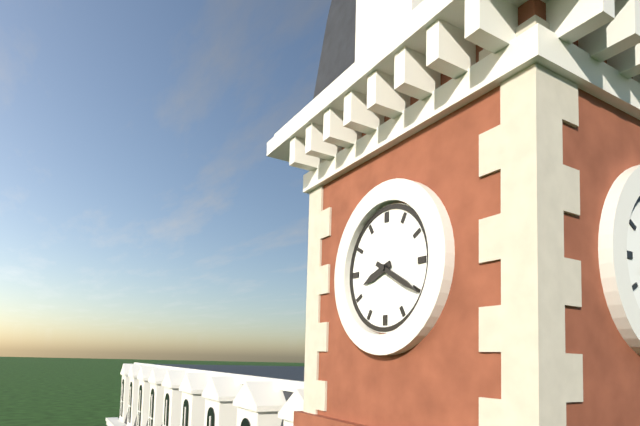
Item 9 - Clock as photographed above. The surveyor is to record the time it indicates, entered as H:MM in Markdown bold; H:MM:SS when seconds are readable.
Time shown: **8:20**
